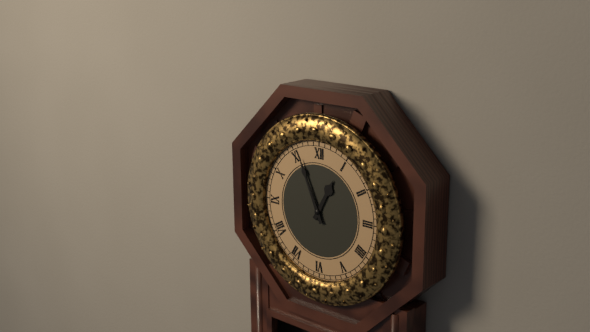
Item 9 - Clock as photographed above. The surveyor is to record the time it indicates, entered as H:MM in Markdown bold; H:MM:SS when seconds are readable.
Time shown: **12:56**
